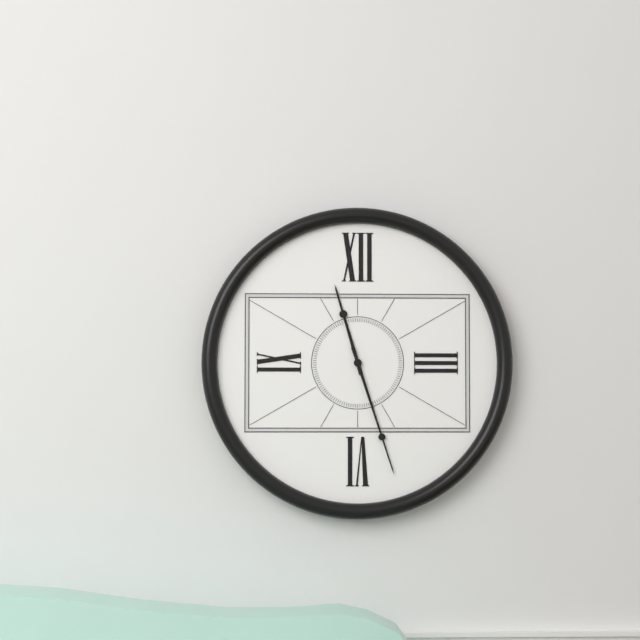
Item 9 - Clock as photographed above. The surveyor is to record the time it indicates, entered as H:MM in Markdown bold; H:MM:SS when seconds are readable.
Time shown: **11:27**
